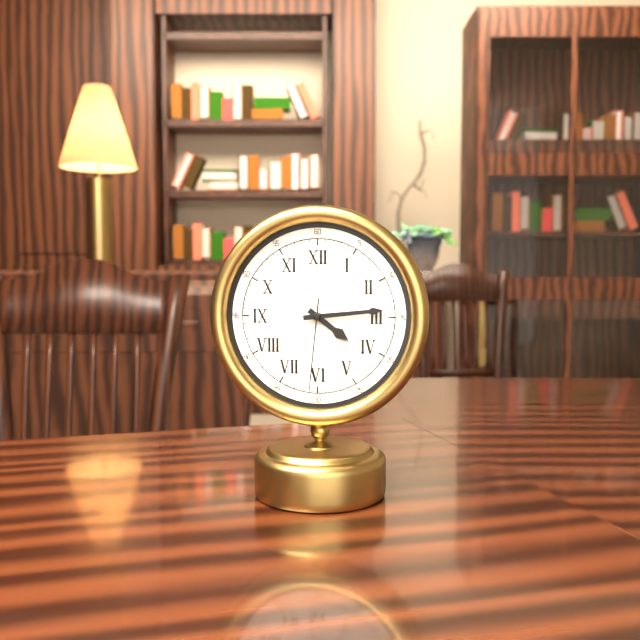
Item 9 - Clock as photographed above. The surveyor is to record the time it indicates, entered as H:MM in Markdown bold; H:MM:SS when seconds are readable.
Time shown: **4:14:31**
